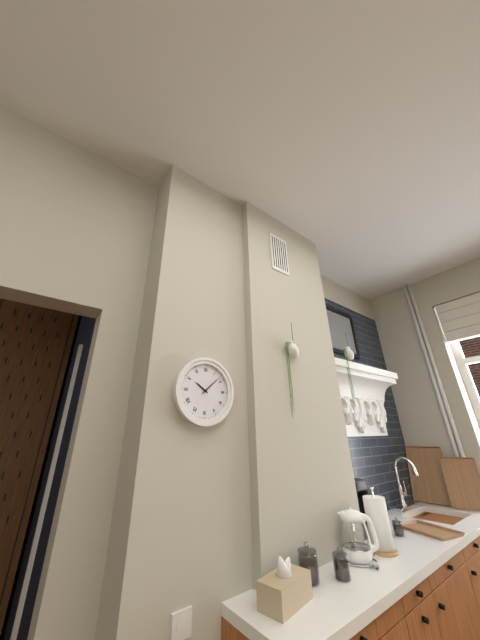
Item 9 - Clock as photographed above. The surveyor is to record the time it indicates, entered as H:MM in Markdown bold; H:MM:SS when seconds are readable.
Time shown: **10:08**
